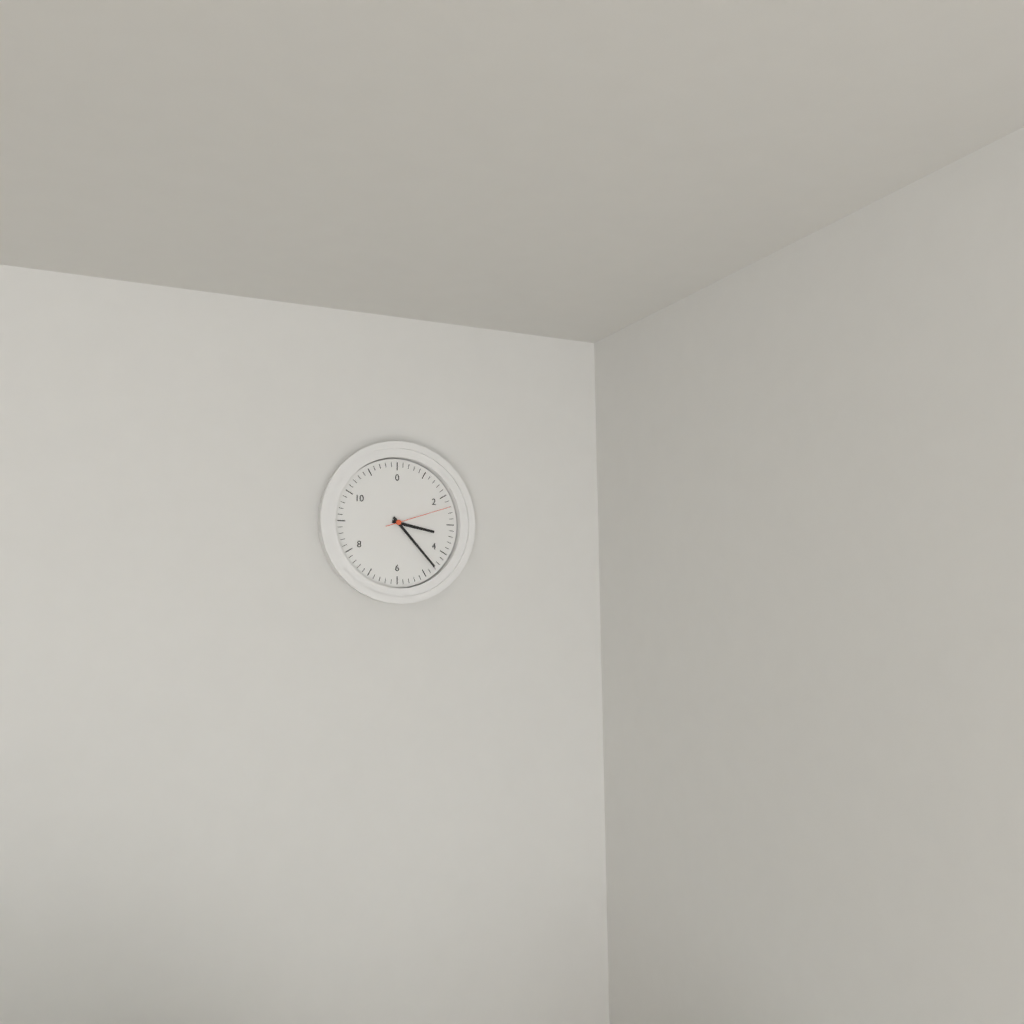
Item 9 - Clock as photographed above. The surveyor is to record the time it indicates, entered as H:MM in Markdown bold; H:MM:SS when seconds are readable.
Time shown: **3:23:12**
